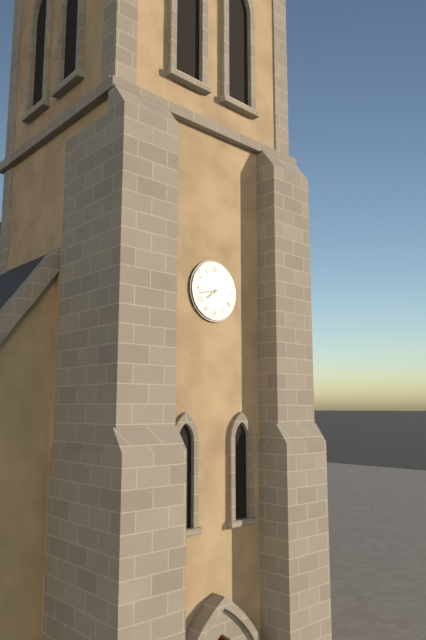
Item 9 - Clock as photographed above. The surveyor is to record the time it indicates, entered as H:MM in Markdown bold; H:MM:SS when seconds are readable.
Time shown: **7:43**
